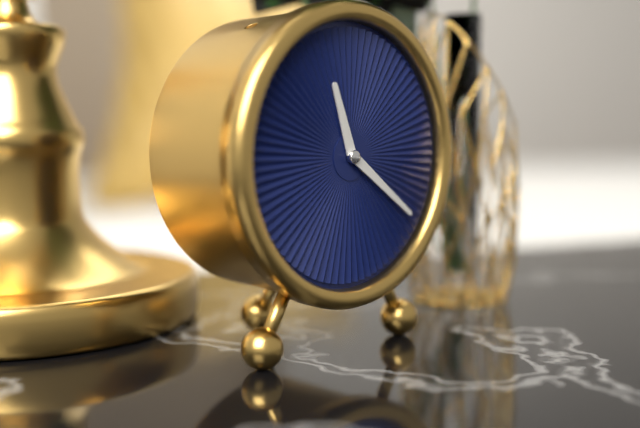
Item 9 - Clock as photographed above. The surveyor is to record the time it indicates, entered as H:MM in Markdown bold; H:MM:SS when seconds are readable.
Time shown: **11:21**
